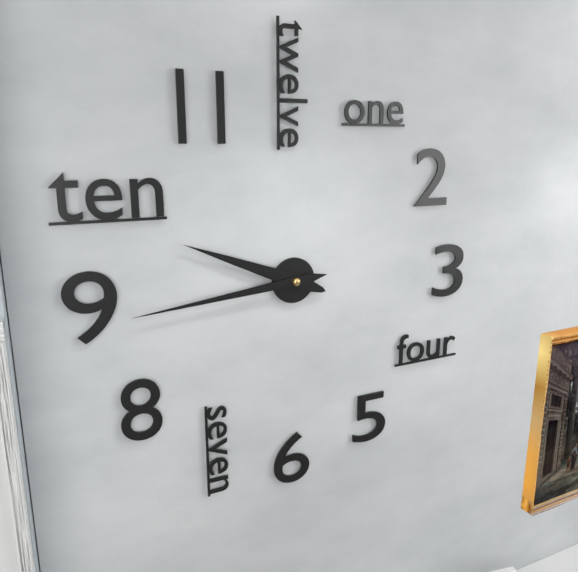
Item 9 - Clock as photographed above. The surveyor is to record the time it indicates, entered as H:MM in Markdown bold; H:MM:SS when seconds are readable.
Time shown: **9:44**
